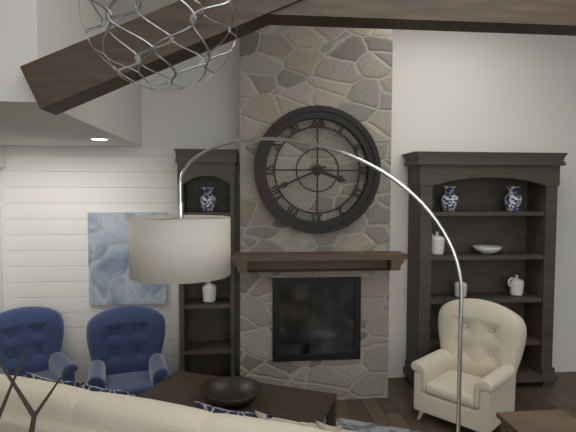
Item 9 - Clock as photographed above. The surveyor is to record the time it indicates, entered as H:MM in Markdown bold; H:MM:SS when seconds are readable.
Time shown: **3:41**
